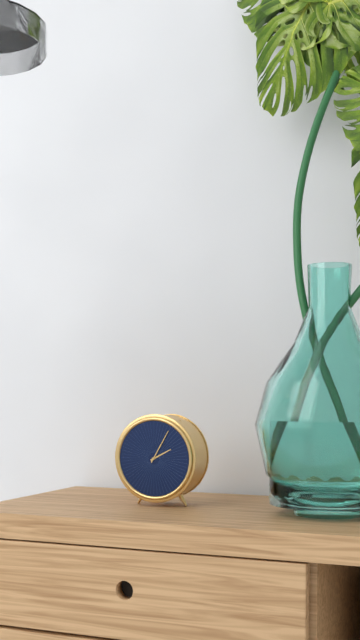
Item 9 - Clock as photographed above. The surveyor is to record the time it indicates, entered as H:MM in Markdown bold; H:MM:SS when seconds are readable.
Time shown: **2:05**
